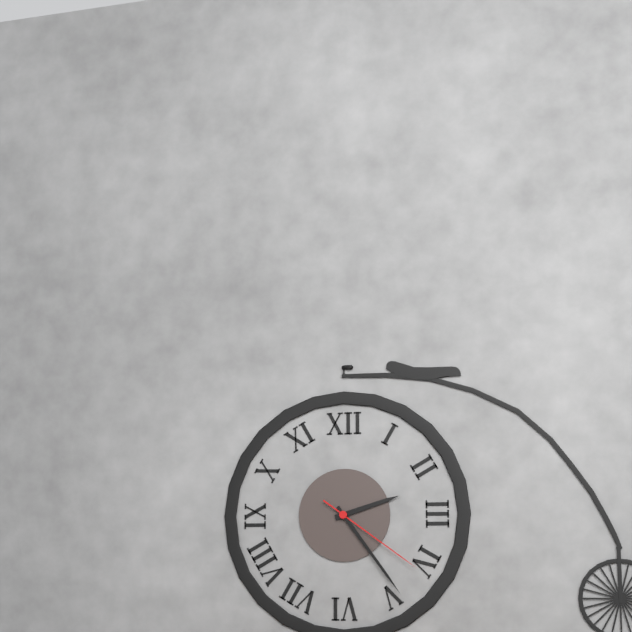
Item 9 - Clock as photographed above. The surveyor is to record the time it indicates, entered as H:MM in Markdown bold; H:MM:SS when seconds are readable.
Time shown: **2:24:21**
